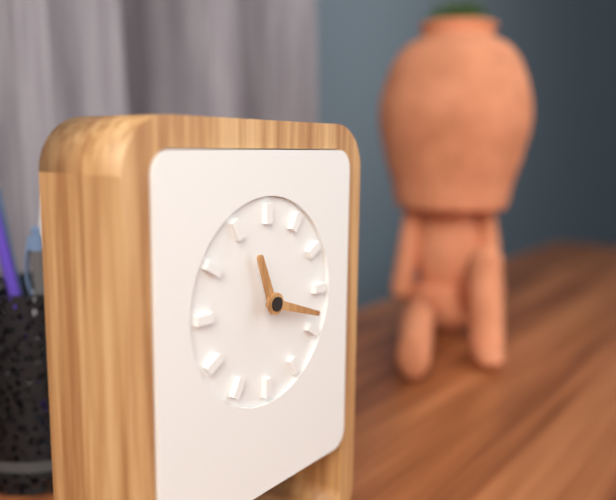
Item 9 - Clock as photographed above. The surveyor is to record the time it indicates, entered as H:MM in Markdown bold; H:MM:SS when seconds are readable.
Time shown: **11:18**
